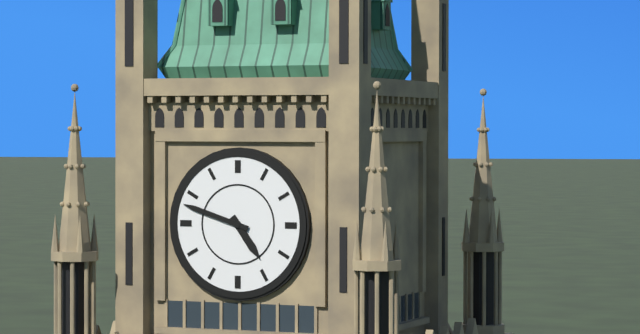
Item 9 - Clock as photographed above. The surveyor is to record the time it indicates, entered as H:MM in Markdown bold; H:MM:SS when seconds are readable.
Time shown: **4:48**
